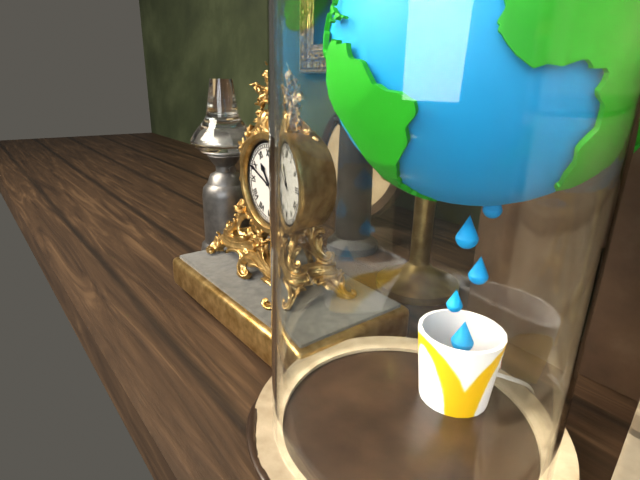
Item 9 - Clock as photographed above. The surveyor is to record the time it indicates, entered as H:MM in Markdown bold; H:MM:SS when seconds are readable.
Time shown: **10:49**
